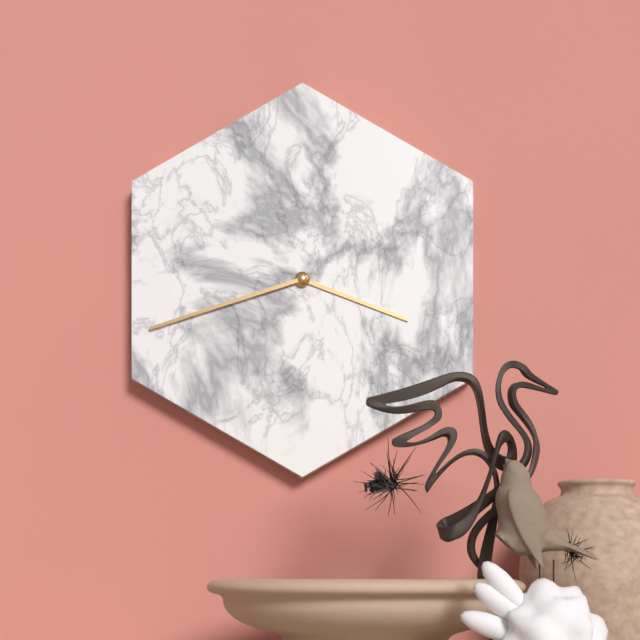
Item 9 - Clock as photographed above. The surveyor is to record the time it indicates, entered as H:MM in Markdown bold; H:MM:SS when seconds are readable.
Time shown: **3:42**
